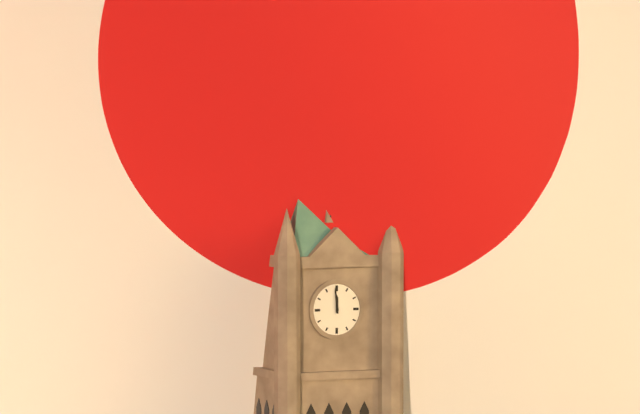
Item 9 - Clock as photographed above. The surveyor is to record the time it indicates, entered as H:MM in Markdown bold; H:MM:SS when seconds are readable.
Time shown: **11:59**
